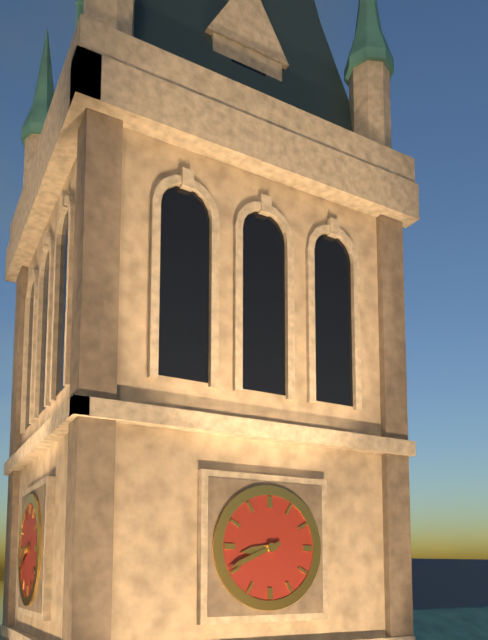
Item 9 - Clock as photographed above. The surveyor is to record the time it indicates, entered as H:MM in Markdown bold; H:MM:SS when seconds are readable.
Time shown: **8:41**
